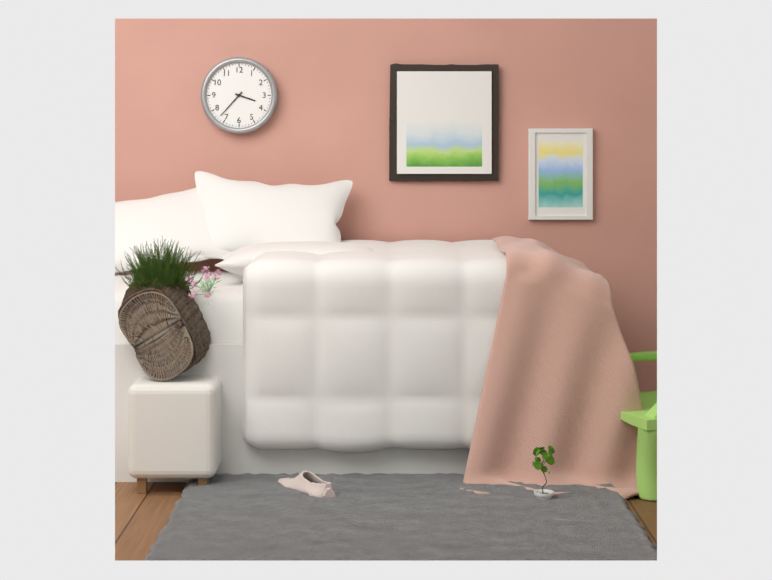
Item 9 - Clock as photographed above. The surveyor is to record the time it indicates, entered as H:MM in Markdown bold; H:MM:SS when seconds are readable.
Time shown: **3:37**
